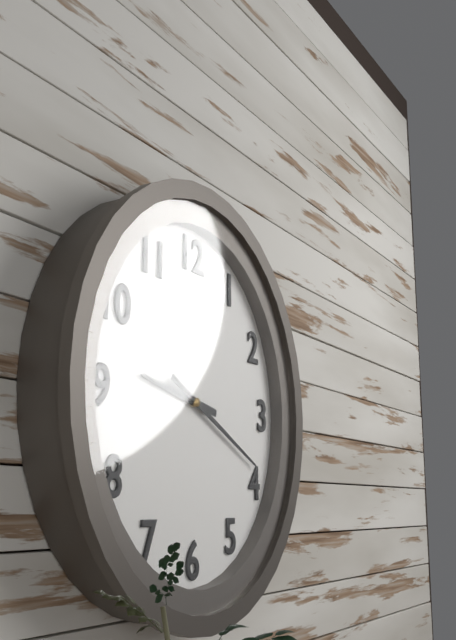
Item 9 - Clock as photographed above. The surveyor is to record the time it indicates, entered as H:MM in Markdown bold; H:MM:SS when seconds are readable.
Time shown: **9:19**
